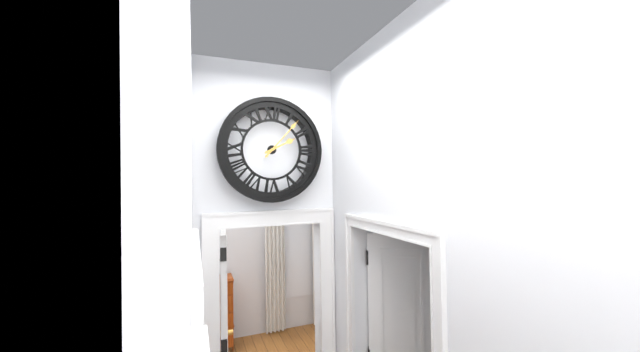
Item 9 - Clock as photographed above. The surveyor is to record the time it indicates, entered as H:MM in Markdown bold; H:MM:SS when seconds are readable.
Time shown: **2:07**
